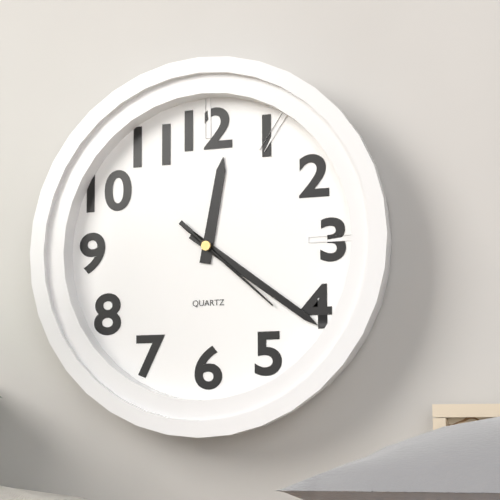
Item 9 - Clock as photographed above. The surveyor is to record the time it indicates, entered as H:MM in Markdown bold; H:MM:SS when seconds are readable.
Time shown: **12:21:22**
